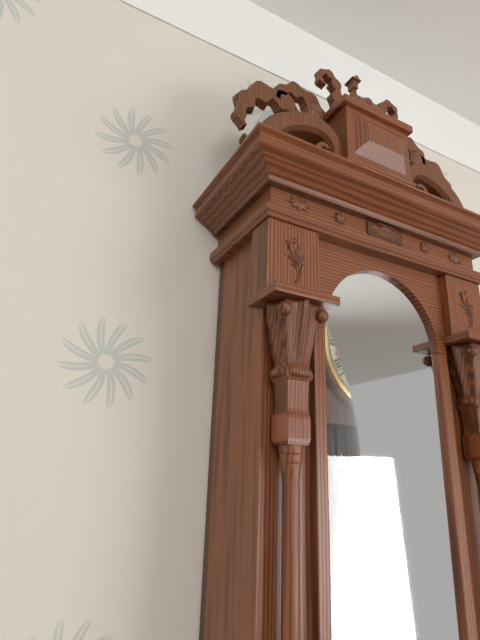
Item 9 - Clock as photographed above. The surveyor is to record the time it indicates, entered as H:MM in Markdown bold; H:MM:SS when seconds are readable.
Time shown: **6:35**
